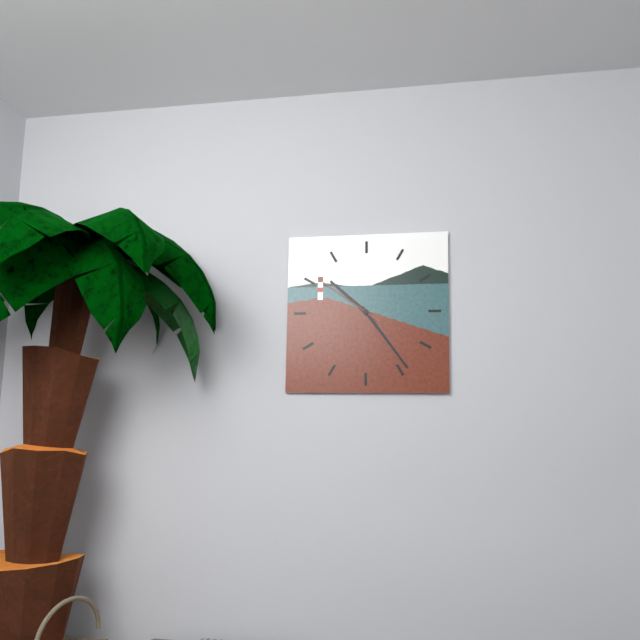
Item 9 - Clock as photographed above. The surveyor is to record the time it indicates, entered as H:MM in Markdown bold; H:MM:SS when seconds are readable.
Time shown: **10:24:51**
